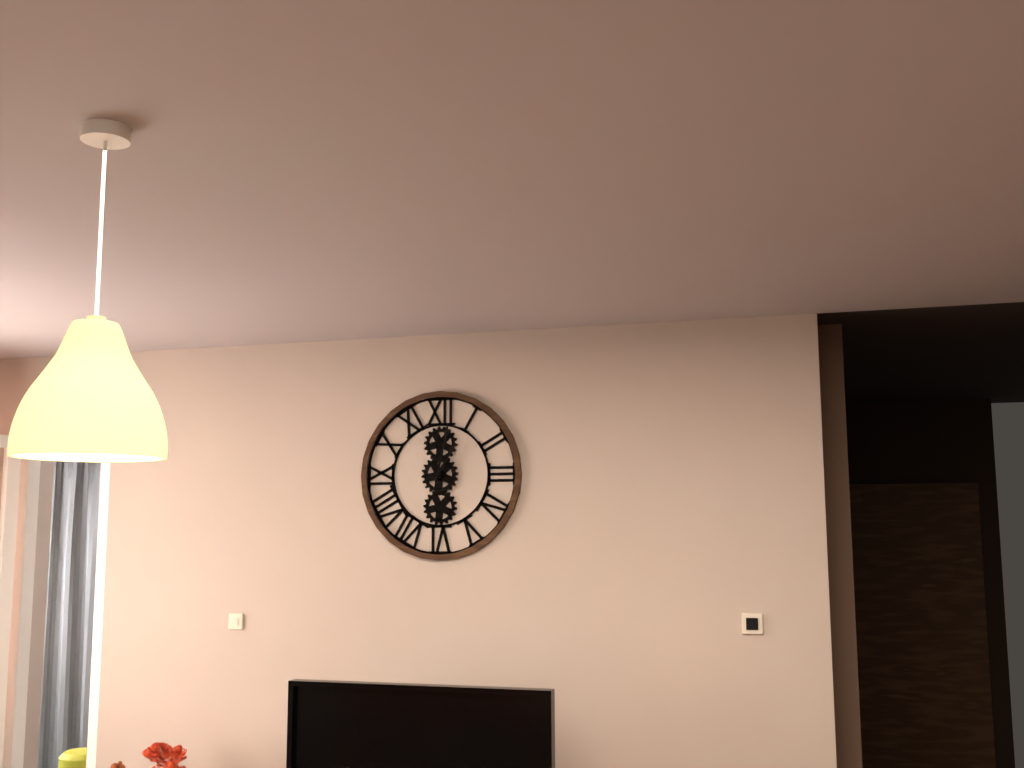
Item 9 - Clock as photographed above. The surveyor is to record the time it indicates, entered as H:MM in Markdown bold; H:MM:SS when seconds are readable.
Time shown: **1:02**
